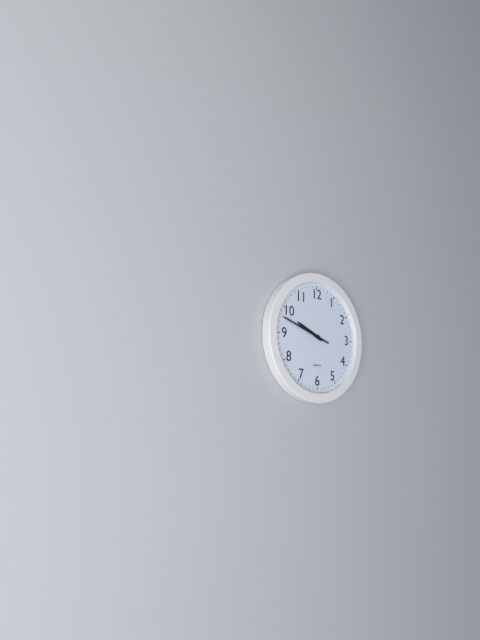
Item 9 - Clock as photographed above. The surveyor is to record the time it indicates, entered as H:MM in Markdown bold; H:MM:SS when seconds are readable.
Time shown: **9:48**
